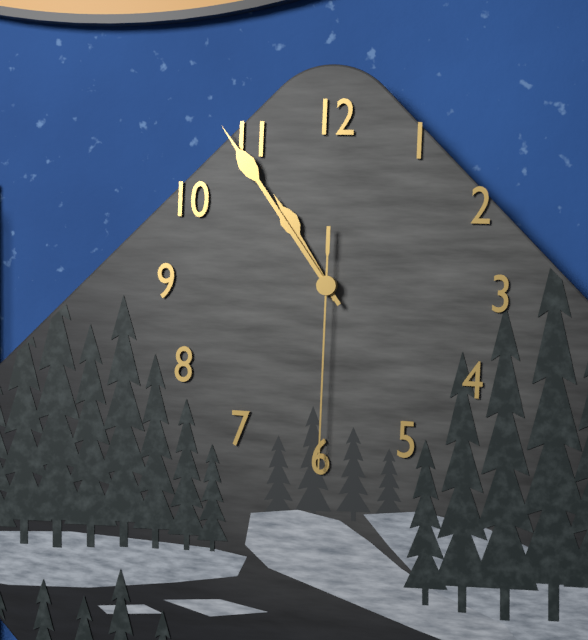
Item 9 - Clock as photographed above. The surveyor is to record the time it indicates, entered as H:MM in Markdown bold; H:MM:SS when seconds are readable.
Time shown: **10:54:30**
